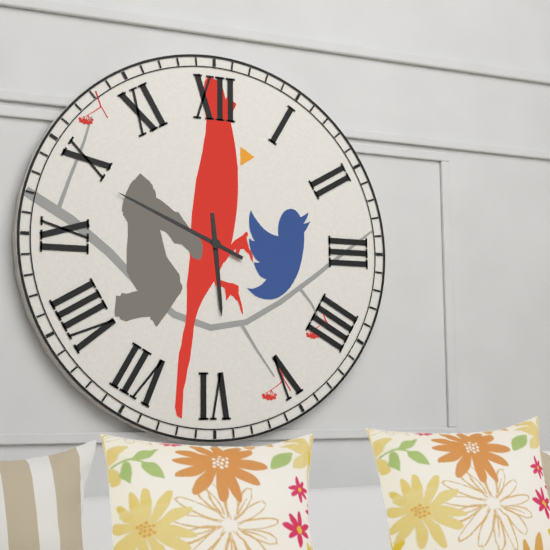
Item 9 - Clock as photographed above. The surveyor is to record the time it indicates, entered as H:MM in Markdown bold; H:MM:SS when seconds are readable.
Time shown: **5:49**
